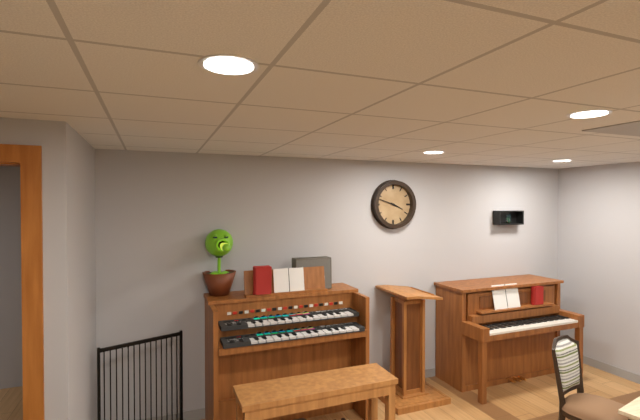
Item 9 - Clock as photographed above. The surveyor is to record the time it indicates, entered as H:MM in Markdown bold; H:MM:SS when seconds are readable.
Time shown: **3:48**
